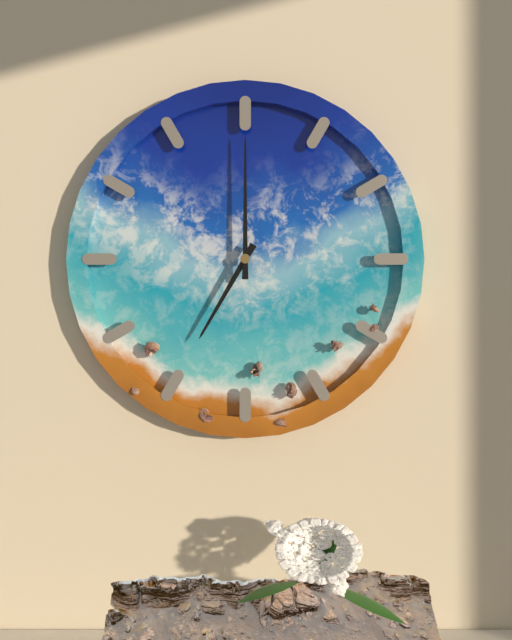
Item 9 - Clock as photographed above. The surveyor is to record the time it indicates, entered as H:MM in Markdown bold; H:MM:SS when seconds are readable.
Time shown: **7:00**
